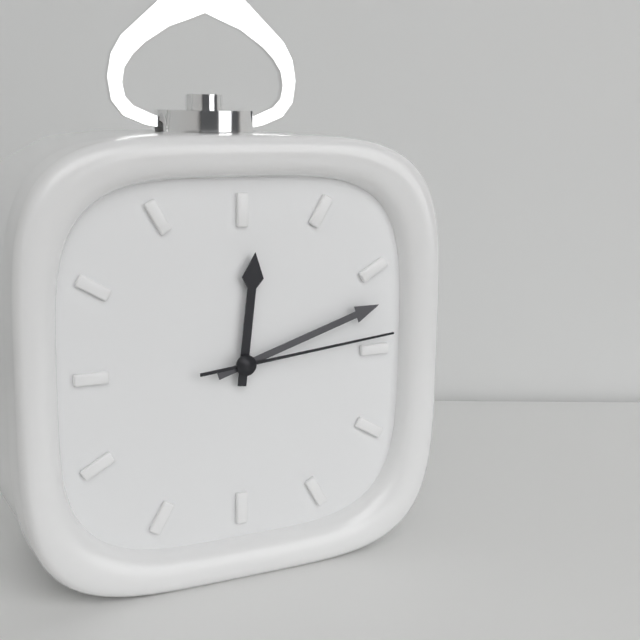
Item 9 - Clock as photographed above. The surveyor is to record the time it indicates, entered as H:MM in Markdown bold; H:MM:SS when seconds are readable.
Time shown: **12:12:14**
